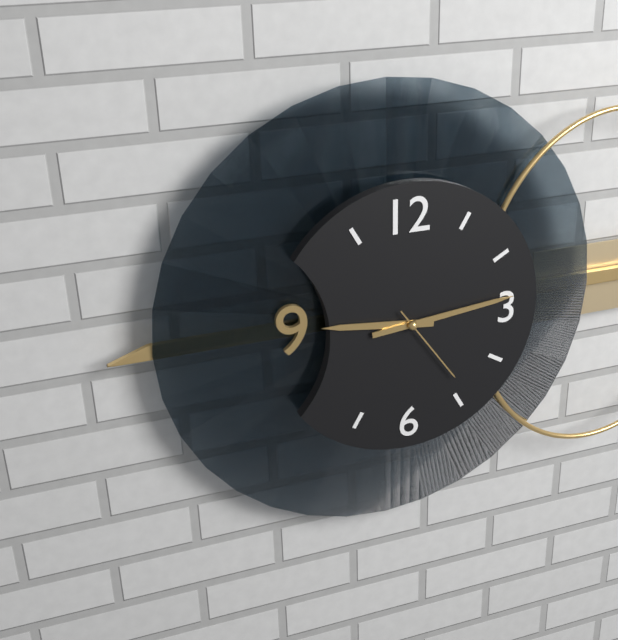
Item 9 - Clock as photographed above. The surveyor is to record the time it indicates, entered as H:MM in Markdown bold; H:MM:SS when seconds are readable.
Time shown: **9:14:24**
